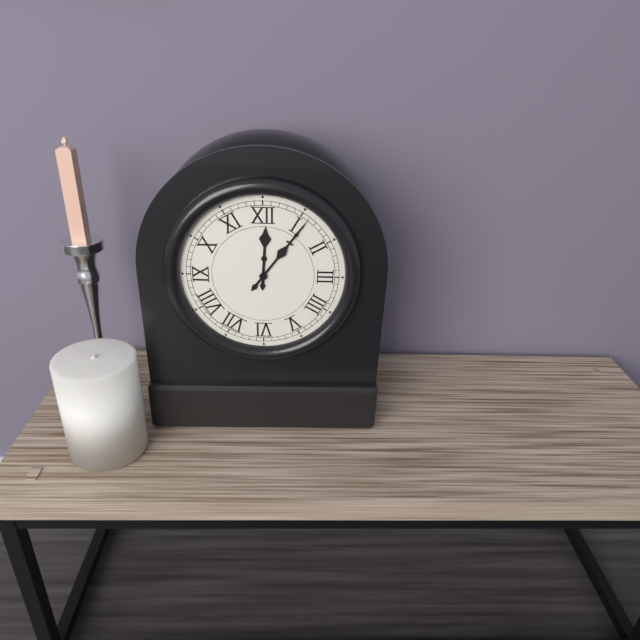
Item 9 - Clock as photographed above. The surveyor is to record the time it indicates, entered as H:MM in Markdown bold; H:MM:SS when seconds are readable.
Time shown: **12:06**
